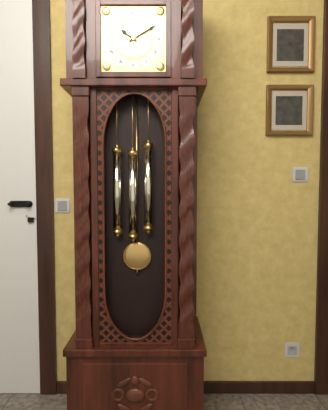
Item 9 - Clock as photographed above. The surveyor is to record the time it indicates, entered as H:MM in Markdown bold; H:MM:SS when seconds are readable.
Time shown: **10:10**
